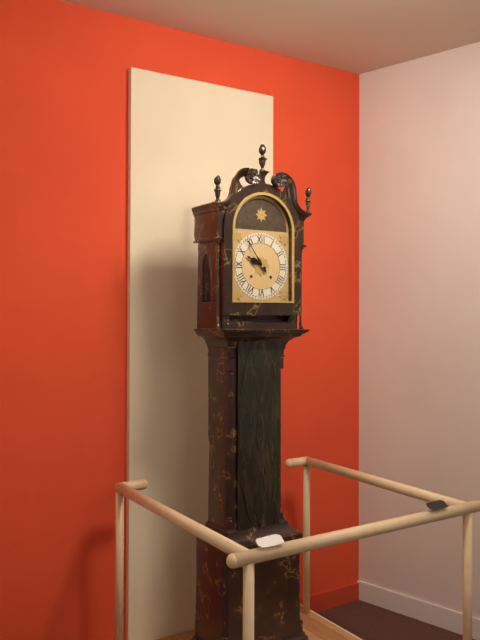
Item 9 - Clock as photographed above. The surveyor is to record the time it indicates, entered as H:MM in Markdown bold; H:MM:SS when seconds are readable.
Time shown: **9:54**
